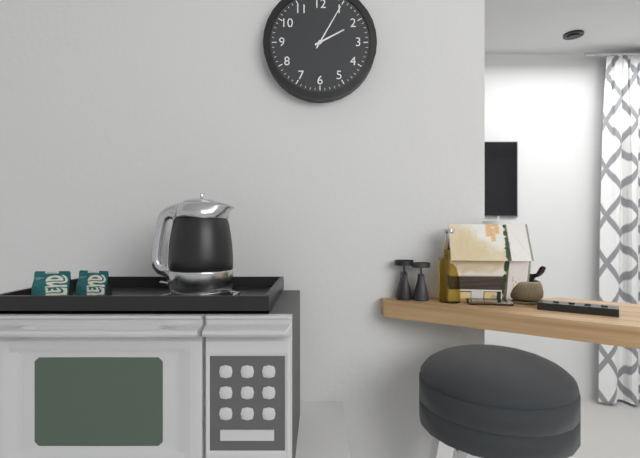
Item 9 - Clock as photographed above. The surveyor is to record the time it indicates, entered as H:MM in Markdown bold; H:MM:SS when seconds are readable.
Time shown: **2:05**
